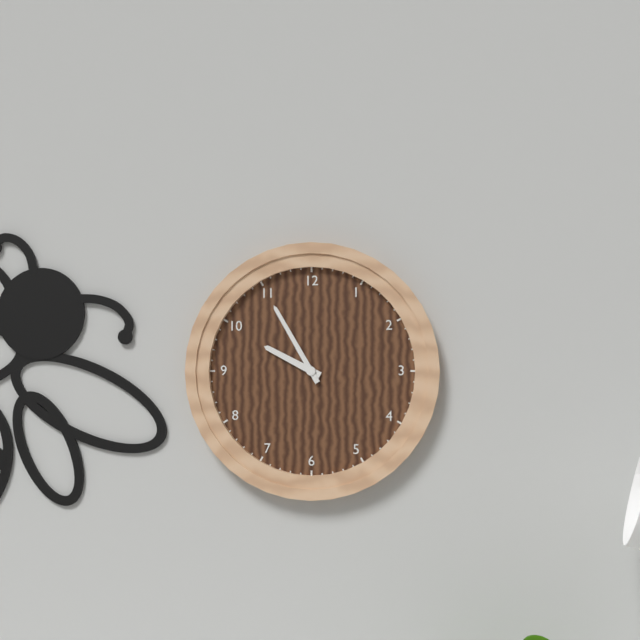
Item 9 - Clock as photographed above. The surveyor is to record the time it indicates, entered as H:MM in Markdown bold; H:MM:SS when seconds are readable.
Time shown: **9:55**
